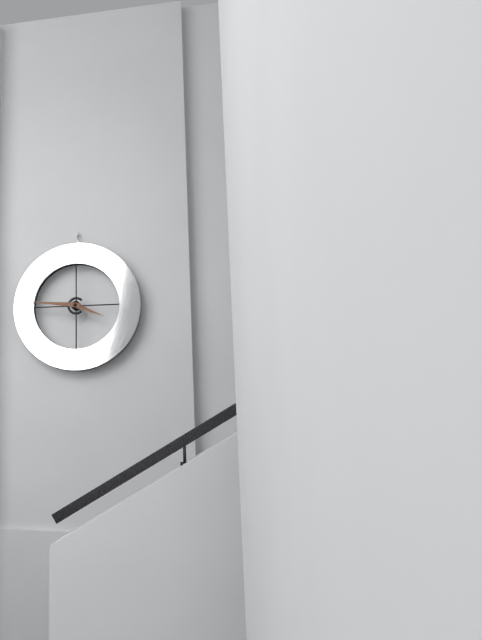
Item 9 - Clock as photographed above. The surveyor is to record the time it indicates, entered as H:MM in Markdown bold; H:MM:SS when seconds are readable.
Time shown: **3:46**
